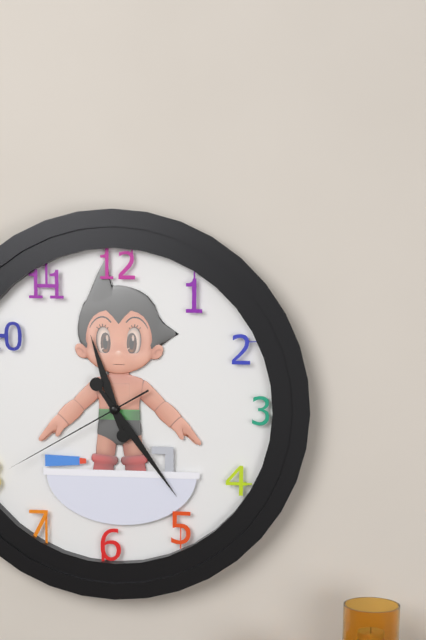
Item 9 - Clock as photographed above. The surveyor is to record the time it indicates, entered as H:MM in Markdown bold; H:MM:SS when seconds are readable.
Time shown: **11:24:40**
